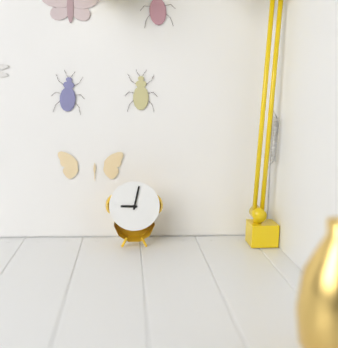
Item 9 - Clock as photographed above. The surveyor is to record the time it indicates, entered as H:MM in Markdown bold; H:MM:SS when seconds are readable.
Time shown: **9:02**
